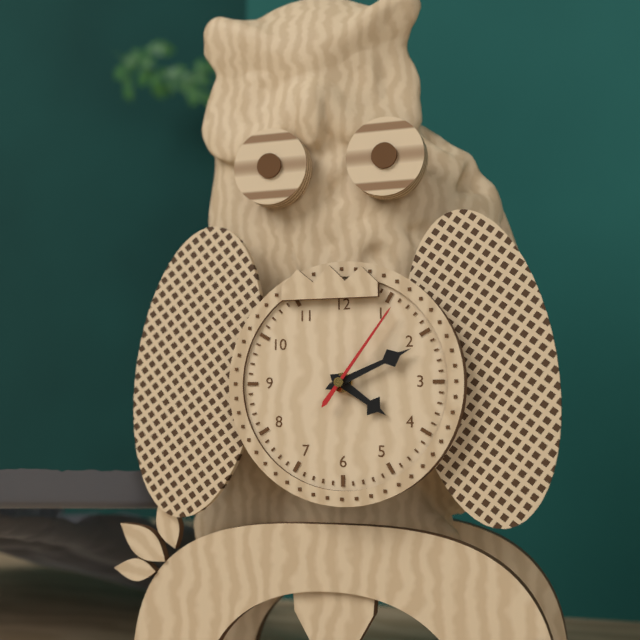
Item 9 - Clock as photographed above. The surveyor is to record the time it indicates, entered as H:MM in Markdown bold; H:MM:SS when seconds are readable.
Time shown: **4:11:06**
